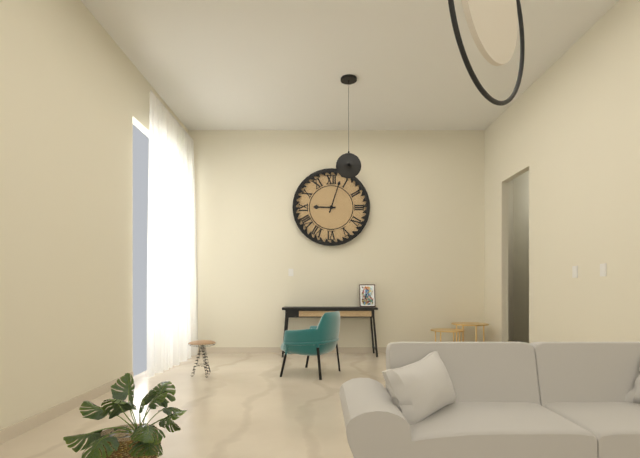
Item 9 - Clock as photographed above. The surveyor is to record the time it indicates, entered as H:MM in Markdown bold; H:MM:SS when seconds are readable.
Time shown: **9:03**
